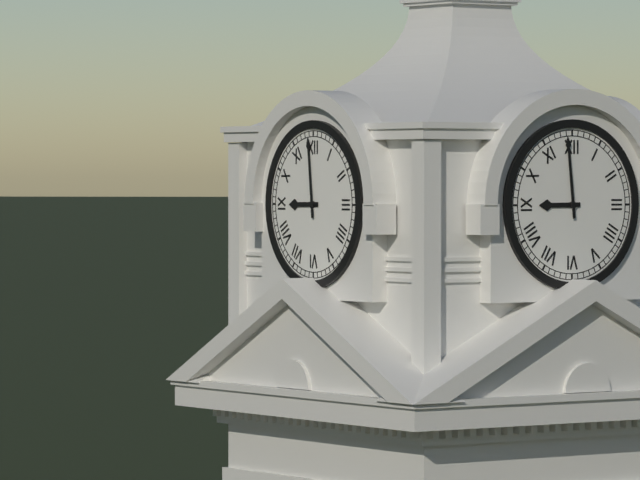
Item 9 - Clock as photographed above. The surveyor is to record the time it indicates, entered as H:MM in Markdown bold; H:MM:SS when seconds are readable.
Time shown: **8:59**
